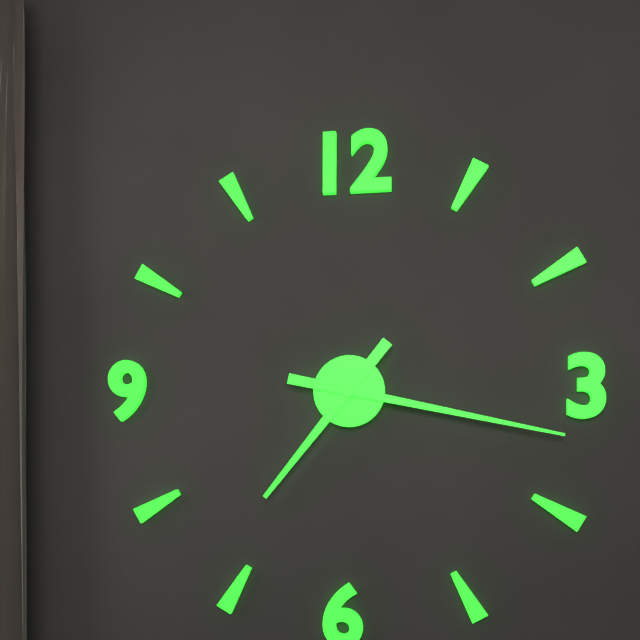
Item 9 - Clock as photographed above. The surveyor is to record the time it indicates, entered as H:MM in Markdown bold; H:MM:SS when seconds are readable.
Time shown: **7:17**
